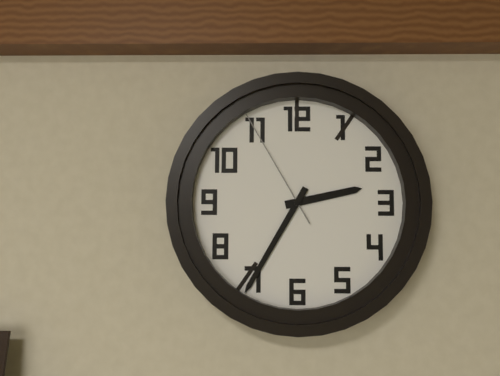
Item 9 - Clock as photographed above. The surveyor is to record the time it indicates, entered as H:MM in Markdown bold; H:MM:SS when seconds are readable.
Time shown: **2:35:55**
